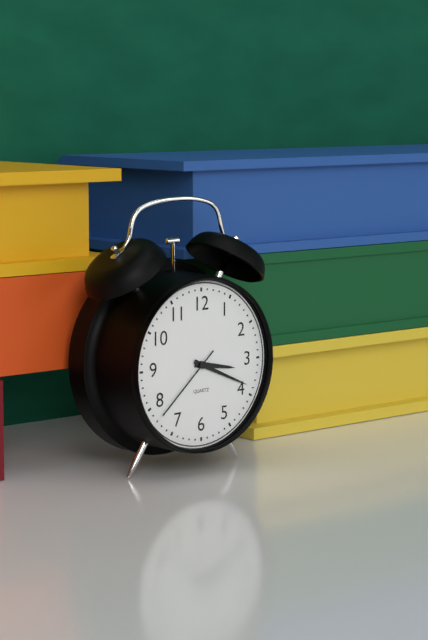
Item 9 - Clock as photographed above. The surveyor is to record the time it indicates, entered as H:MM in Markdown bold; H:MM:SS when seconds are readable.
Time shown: **3:19:38**
